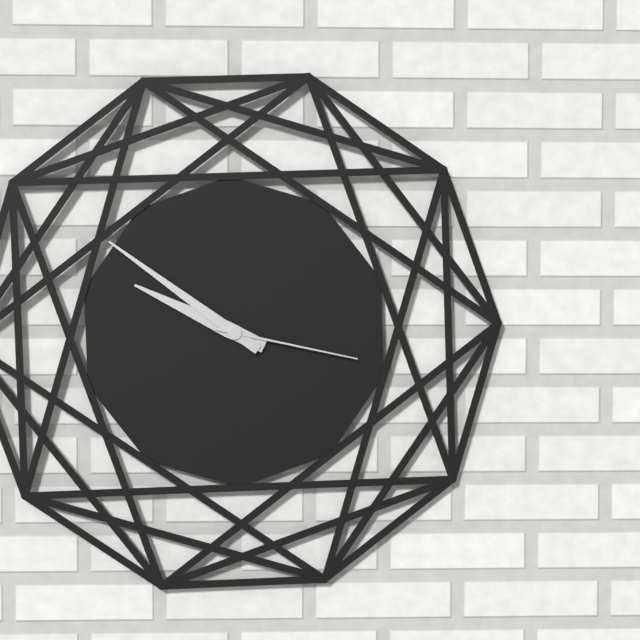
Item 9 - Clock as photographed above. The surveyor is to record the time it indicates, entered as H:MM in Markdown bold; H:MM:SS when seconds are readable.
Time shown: **9:51:17**
